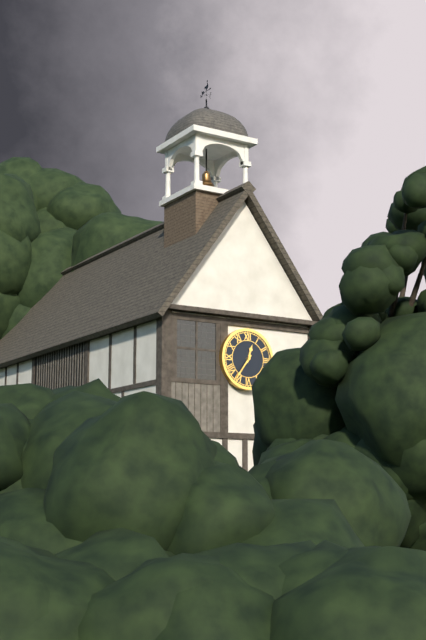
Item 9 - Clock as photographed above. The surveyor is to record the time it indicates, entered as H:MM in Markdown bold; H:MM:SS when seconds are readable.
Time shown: **12:36**
